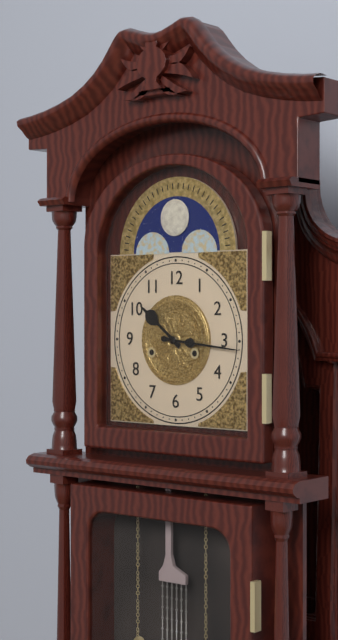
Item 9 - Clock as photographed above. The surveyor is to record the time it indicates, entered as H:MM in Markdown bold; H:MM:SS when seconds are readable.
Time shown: **10:16**
